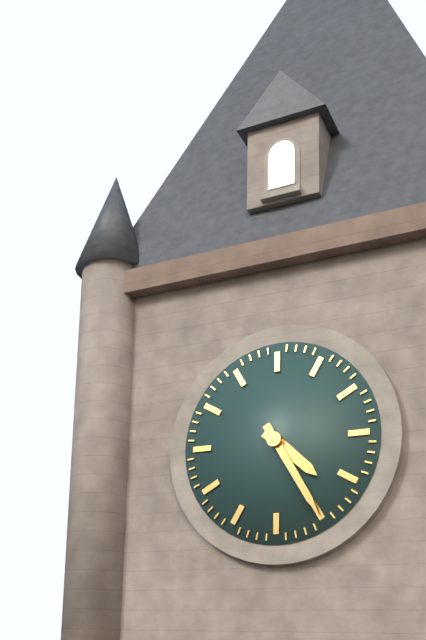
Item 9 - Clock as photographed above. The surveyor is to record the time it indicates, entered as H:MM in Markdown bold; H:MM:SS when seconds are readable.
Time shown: **4:25**
